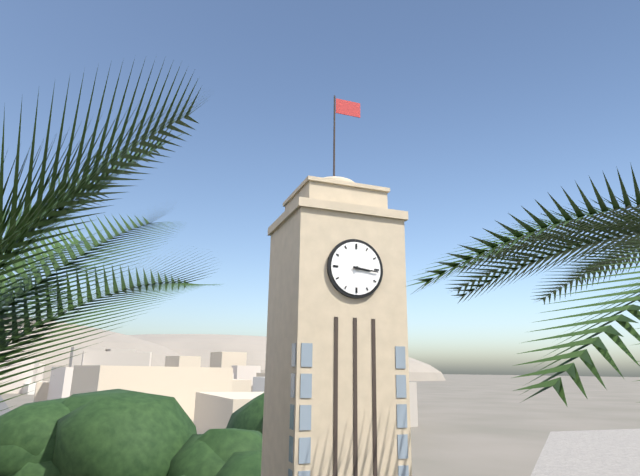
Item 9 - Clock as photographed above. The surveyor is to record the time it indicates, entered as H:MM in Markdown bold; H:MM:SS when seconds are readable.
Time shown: **3:16**
